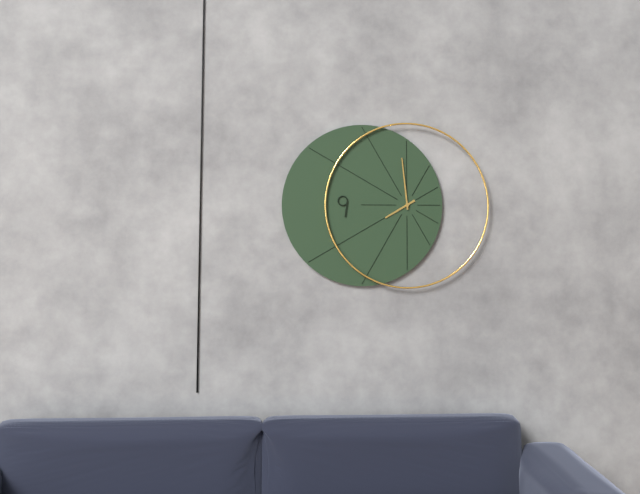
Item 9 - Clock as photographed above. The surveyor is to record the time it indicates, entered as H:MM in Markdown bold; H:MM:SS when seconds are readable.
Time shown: **7:59**
